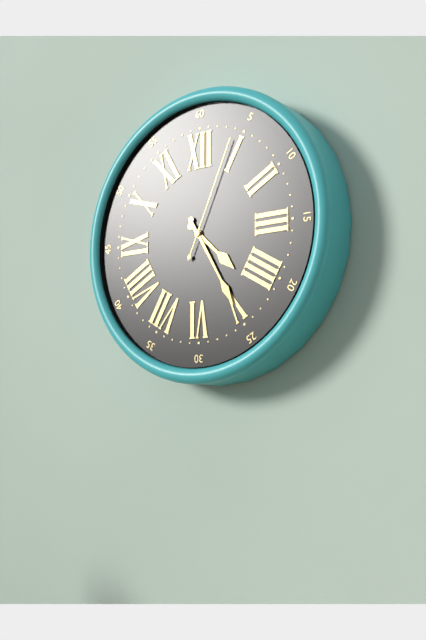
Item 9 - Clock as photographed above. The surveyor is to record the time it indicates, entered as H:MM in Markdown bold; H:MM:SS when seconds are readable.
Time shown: **4:25:04**
